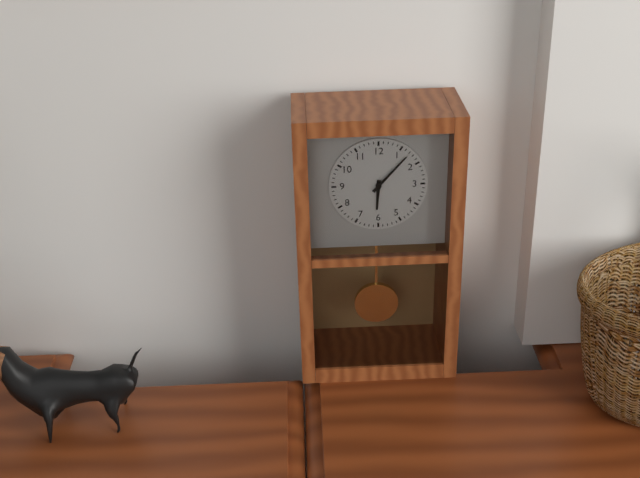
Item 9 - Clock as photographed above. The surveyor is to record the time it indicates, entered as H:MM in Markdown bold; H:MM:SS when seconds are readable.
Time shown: **6:07**
